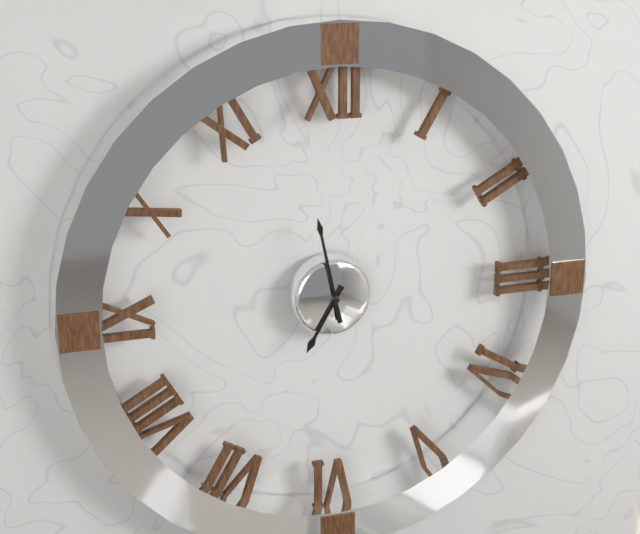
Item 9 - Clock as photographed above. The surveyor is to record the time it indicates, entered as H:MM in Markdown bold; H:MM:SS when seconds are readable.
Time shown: **6:58**
